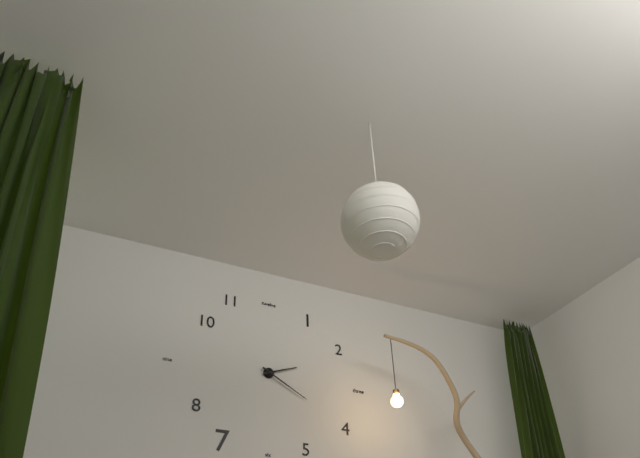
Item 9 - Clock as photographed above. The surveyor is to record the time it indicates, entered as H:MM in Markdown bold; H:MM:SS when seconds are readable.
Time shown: **2:20**
